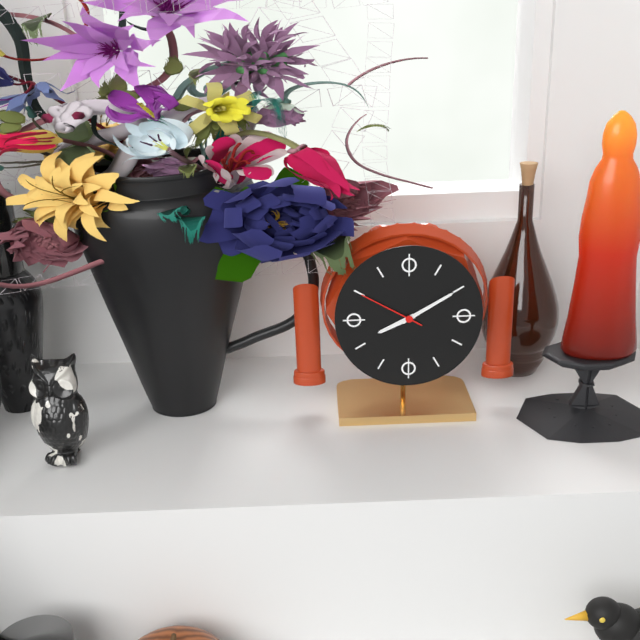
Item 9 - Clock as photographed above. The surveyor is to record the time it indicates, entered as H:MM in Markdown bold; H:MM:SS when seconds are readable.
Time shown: **8:10:50**
